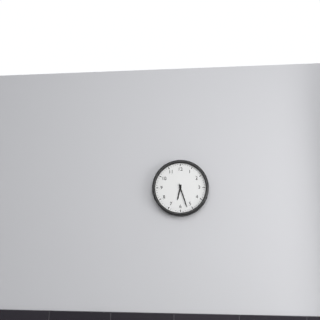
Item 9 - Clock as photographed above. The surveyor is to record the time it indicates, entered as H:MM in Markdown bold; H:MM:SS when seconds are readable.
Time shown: **6:27**
